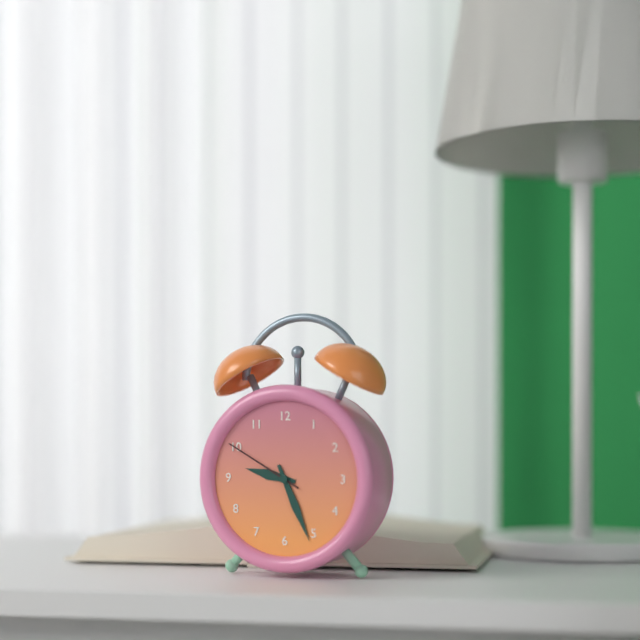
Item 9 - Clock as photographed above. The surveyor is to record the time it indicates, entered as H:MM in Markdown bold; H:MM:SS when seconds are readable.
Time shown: **9:26:50**
